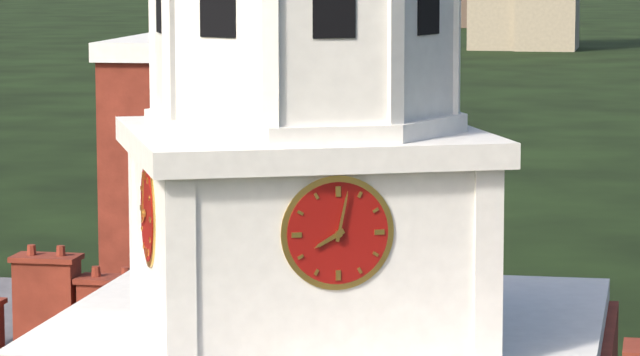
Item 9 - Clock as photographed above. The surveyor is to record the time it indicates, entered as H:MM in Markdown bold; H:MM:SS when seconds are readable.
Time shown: **8:02**
